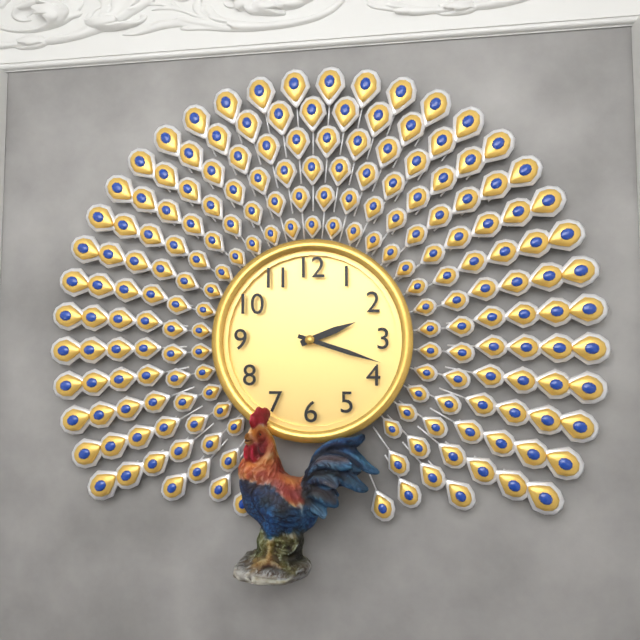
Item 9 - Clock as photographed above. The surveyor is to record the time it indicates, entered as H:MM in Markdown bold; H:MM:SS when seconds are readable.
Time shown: **2:18**
